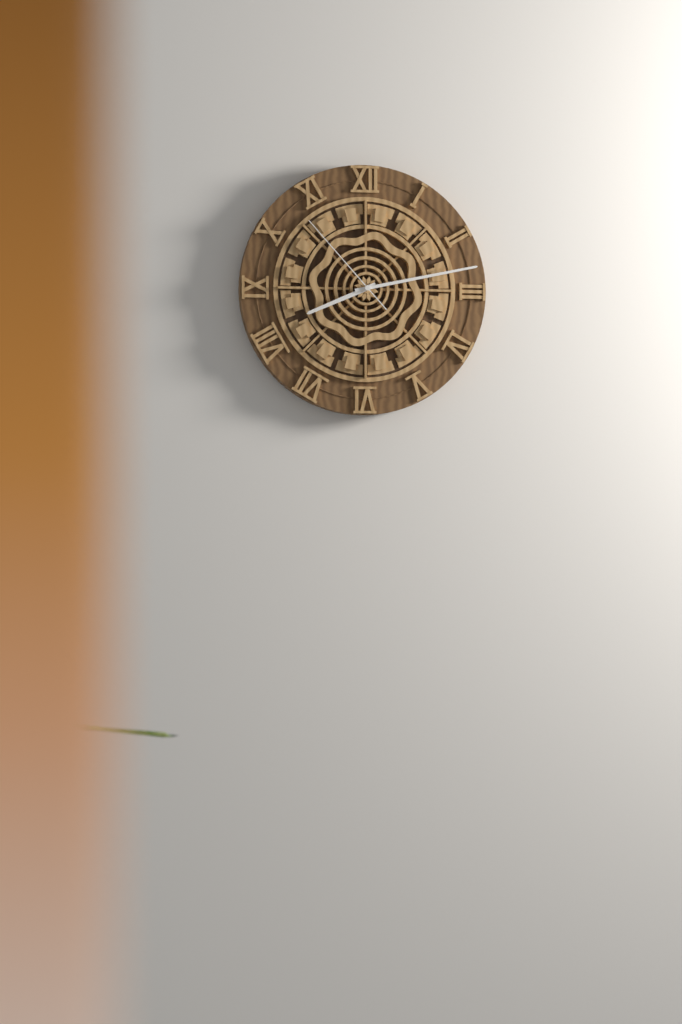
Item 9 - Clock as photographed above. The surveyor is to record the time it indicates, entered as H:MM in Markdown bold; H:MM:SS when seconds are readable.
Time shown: **8:13:53**
